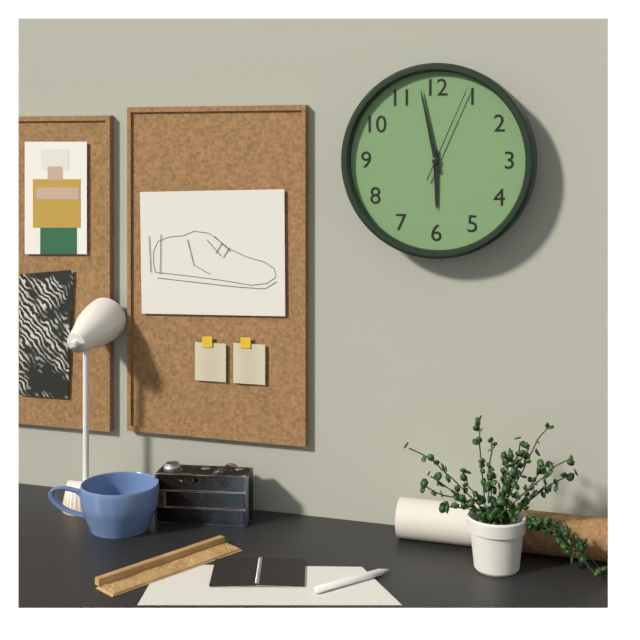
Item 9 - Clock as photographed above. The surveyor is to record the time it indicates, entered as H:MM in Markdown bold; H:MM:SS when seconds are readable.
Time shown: **5:58:04**
